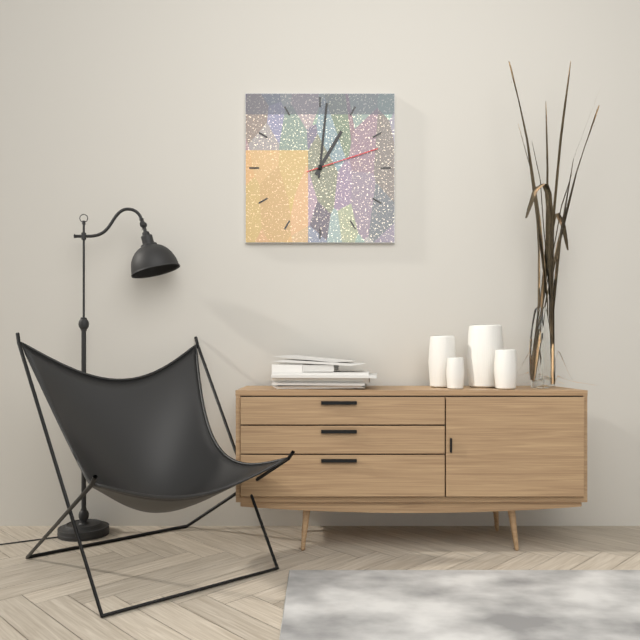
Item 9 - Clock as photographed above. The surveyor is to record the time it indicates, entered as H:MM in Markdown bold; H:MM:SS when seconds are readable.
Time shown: **1:01:12**
